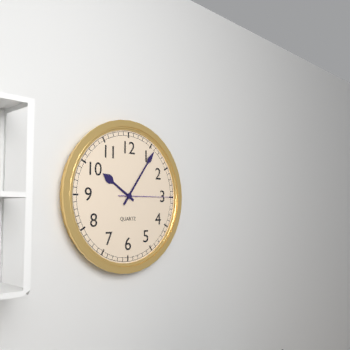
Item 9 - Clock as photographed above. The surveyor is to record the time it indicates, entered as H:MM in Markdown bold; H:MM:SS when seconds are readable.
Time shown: **10:06:15**
